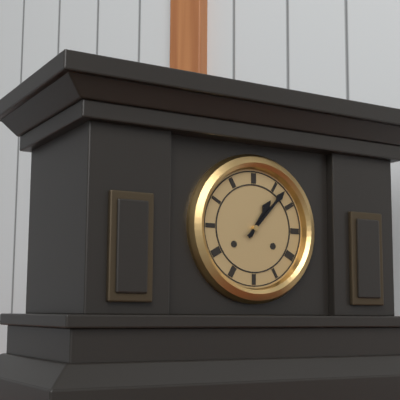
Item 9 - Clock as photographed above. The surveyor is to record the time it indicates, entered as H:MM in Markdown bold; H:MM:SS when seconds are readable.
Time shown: **1:07**
